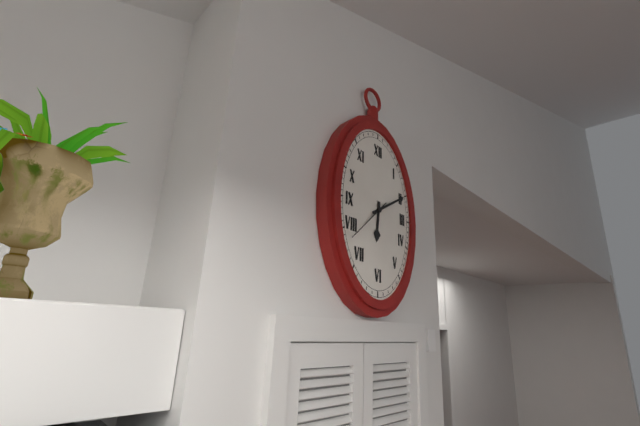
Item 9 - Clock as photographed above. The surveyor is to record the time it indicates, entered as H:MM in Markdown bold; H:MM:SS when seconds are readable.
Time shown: **6:10**
